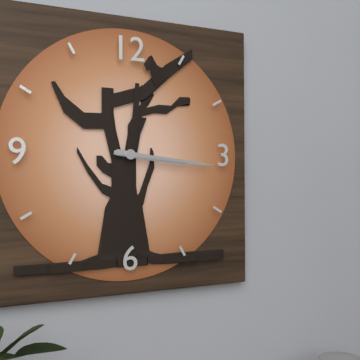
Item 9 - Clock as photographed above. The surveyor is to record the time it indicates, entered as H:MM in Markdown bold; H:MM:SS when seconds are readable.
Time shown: **3:16**
